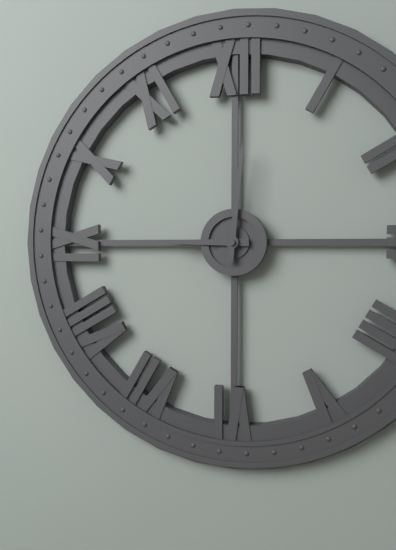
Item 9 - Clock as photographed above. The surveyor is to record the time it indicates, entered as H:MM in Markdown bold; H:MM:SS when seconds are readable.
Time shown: **9:01**
